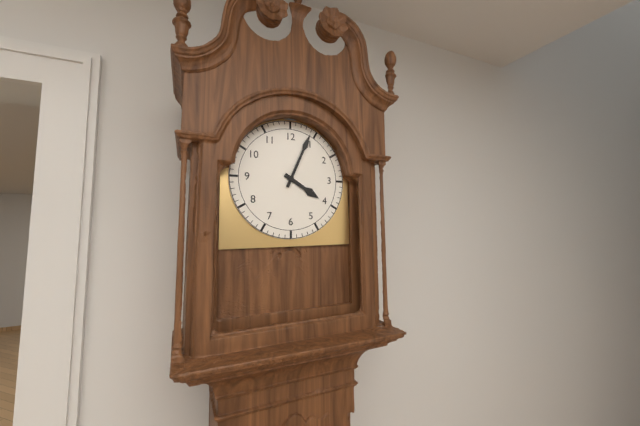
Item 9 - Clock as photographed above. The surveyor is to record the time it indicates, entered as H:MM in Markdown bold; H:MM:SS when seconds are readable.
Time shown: **4:04**
